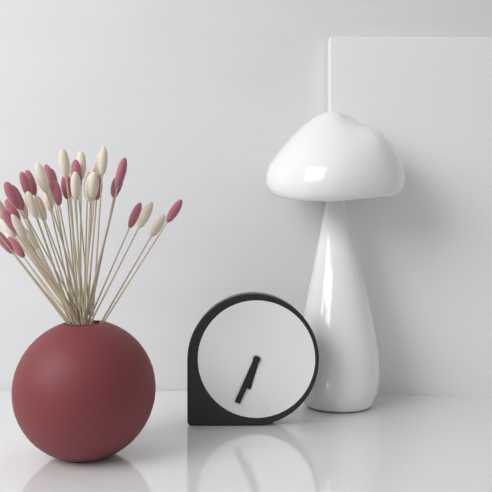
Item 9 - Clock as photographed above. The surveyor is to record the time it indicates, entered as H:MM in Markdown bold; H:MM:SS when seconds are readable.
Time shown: **6:34**
